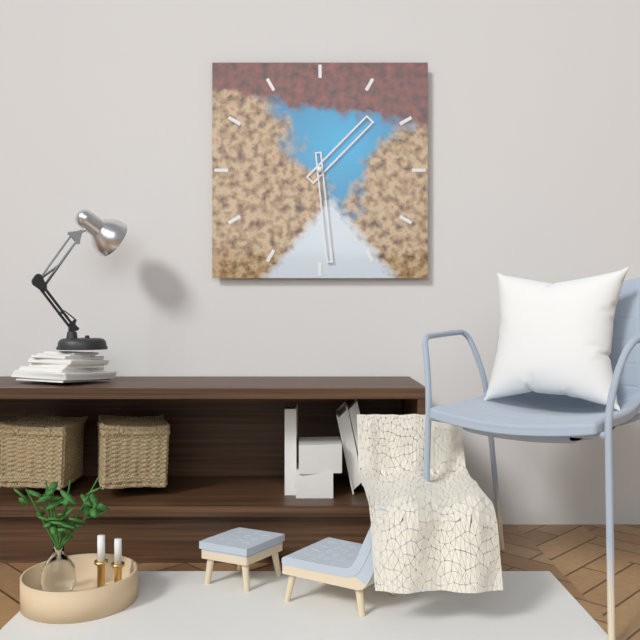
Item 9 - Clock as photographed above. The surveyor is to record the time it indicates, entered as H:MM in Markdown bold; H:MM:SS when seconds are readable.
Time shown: **1:29**
